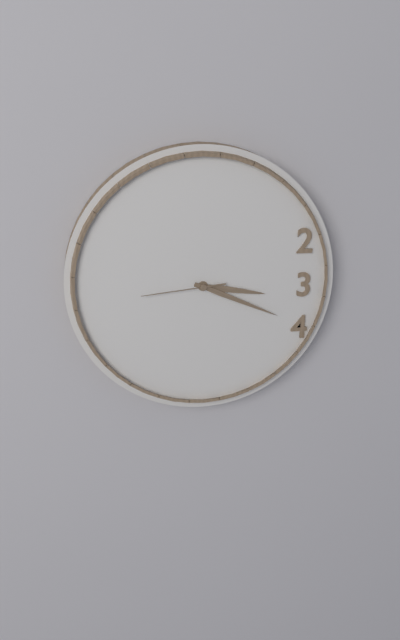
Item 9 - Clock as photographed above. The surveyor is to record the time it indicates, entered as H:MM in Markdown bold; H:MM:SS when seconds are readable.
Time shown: **3:19:44**
